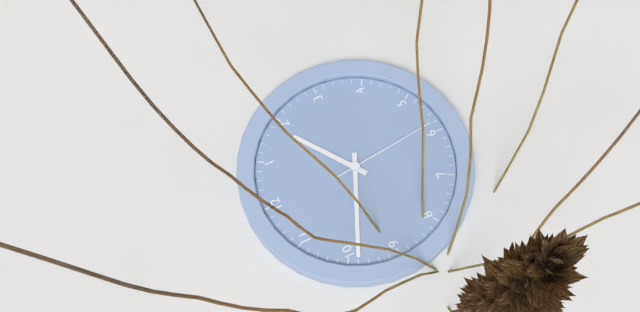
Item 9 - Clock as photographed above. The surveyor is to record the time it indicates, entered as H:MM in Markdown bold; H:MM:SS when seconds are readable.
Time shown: **1:49:29**
